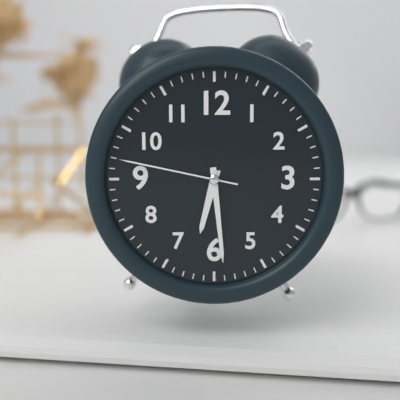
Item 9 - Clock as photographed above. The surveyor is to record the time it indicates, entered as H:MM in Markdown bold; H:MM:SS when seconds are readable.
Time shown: **6:29:47**
